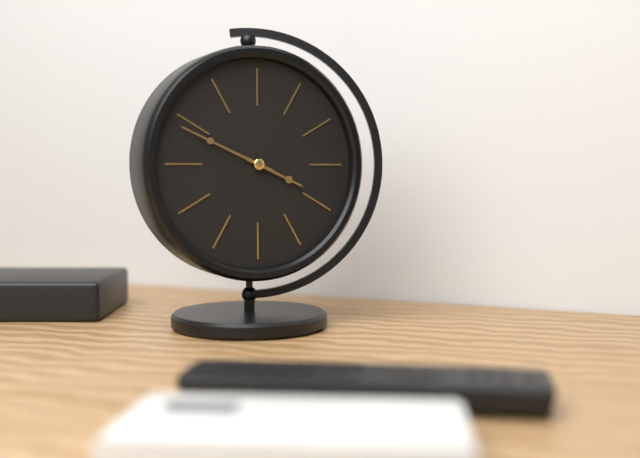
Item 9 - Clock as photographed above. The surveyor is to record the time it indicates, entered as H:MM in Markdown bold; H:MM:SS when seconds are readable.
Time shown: **3:49**
